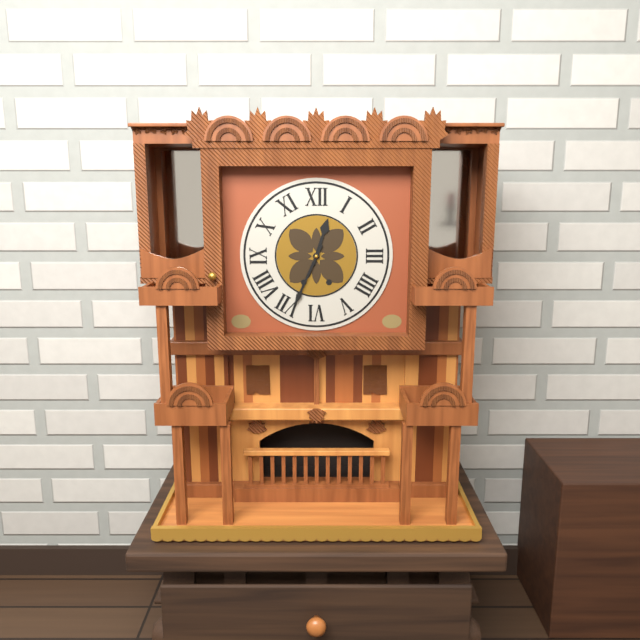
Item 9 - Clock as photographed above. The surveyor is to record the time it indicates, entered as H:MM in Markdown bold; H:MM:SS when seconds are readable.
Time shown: **12:34**
